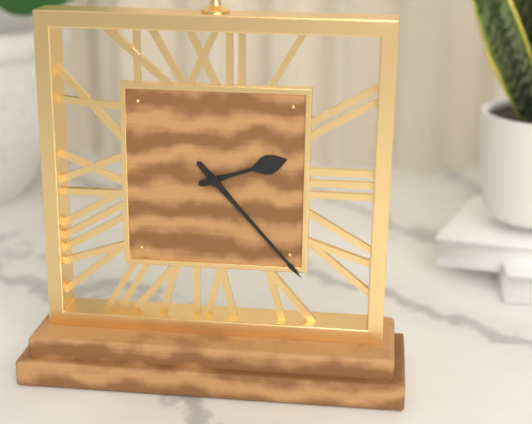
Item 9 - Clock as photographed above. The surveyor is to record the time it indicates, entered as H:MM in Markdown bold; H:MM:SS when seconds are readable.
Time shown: **2:23**
